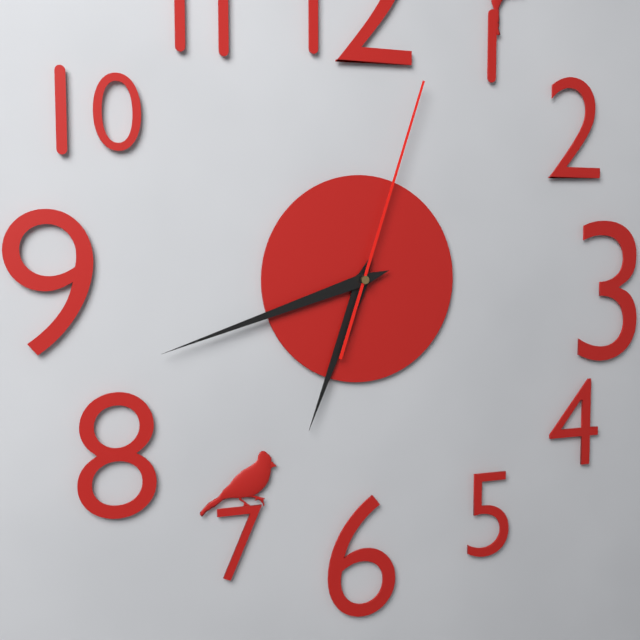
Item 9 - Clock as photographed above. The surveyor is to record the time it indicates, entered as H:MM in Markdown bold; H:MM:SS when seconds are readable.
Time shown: **6:42:03**
